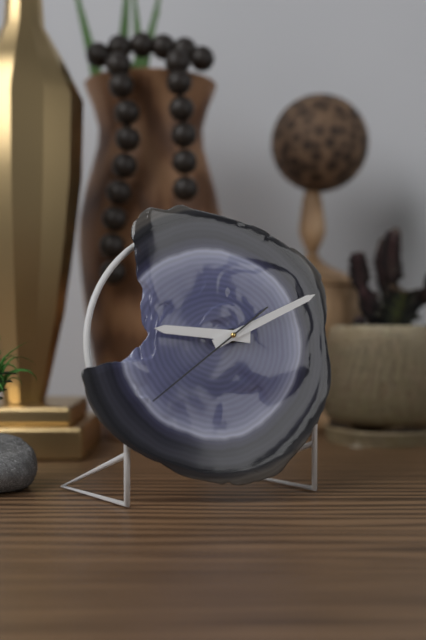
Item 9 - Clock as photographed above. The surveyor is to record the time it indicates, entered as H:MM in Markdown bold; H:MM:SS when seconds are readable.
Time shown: **9:11:39**
